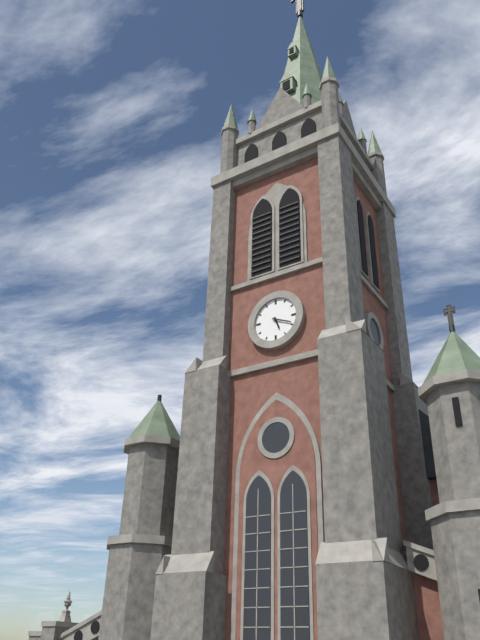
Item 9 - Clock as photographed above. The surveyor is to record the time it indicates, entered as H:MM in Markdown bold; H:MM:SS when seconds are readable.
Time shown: **5:19**
